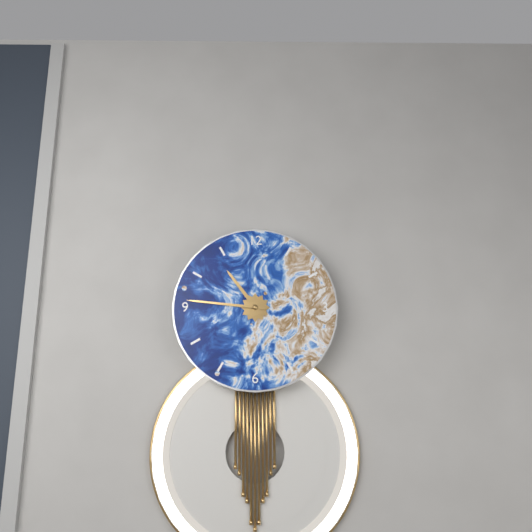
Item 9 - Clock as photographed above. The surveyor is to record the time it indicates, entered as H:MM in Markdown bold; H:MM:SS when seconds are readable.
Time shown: **10:46**
